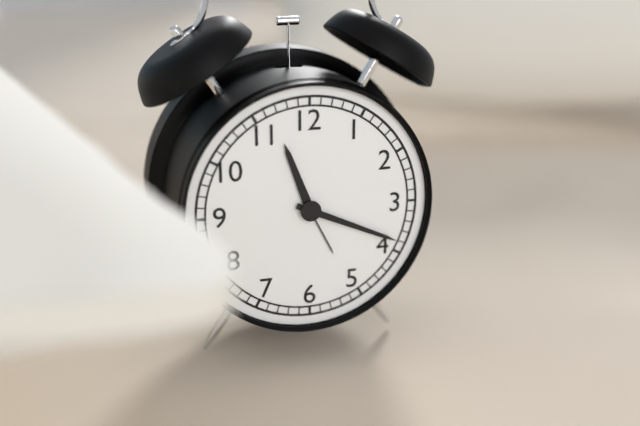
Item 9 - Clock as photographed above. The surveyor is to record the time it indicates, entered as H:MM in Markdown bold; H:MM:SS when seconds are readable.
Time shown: **11:19**
